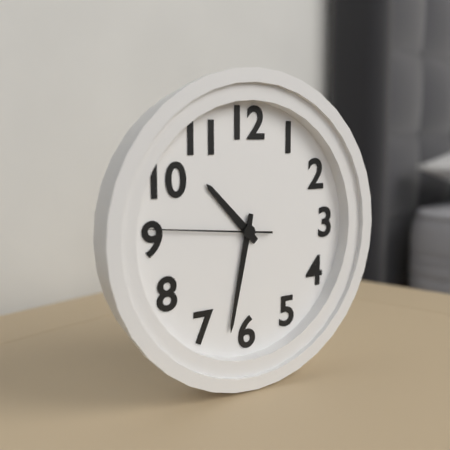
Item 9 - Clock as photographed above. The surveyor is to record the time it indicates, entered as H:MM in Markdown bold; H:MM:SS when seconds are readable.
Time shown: **10:32:46**
